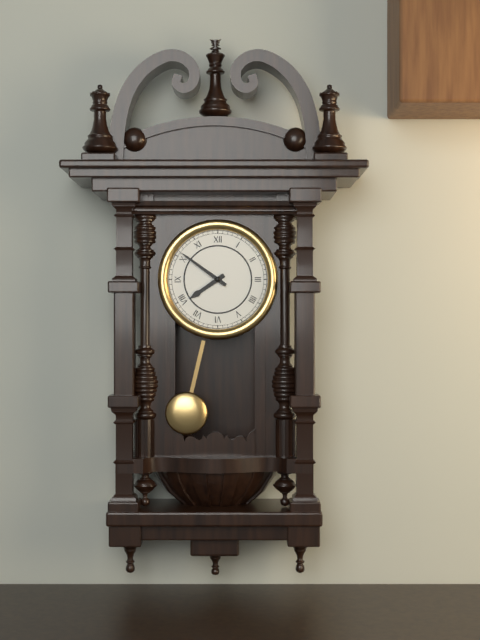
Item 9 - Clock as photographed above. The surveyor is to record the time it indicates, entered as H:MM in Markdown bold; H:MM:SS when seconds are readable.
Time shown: **7:51**
